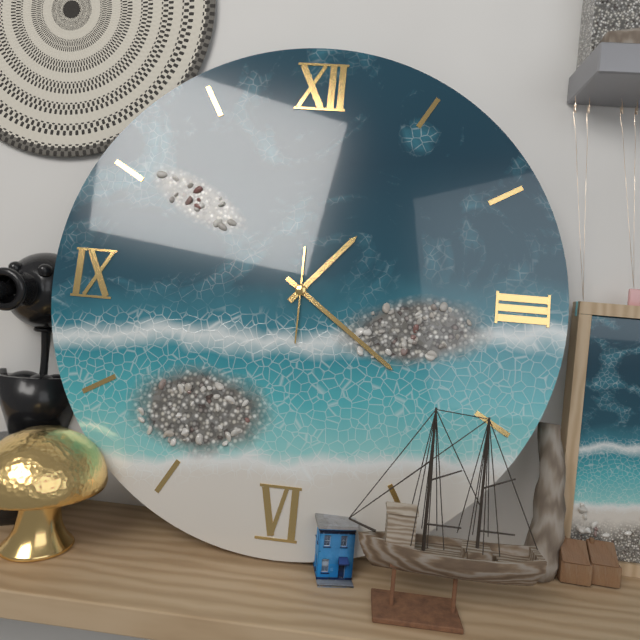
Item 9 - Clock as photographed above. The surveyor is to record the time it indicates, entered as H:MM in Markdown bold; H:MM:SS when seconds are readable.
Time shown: **1:21:30**
